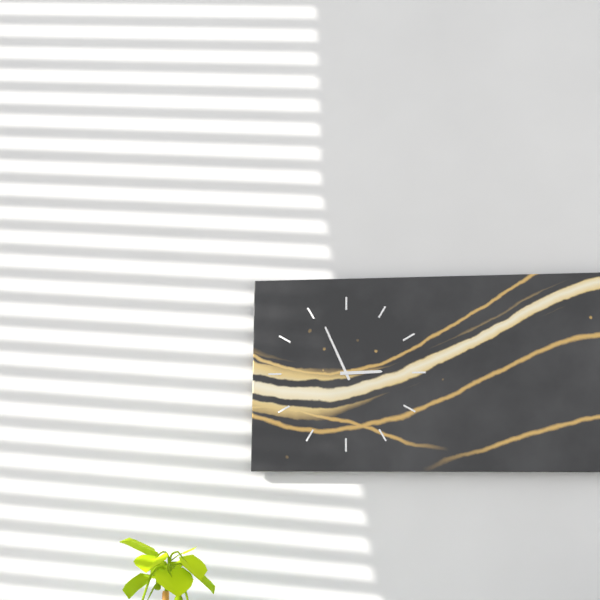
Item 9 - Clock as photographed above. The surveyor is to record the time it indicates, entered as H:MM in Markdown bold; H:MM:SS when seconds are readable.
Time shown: **2:56**
